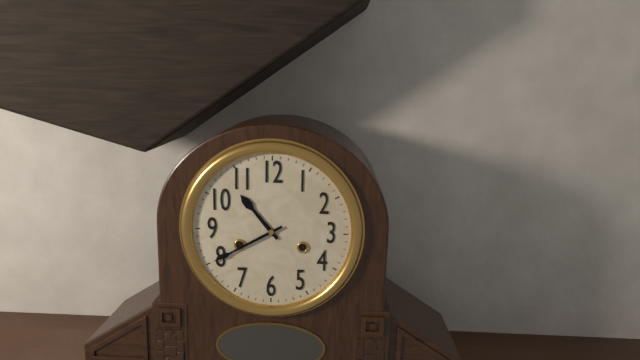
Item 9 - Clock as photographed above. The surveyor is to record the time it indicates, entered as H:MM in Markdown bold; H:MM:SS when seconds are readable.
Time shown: **10:40**
